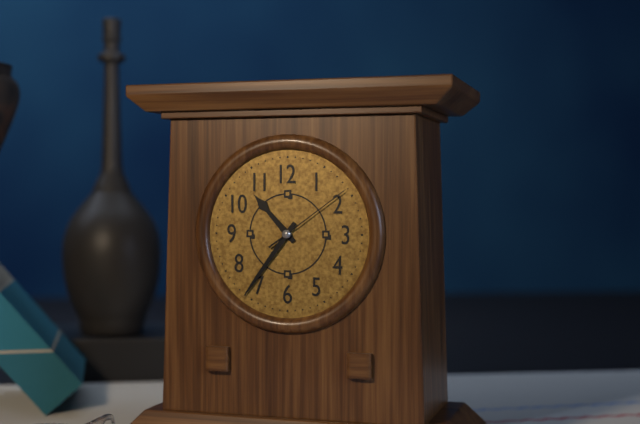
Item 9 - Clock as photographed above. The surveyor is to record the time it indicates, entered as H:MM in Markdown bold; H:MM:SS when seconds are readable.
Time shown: **10:36:09**
